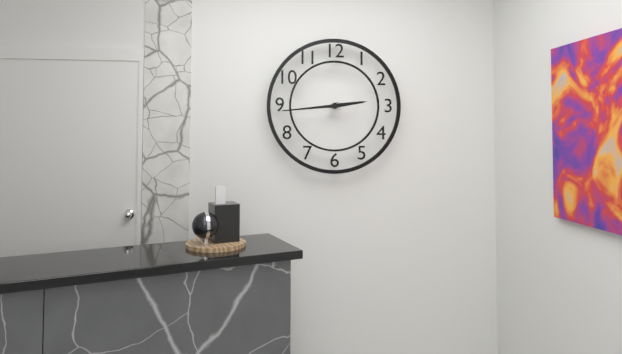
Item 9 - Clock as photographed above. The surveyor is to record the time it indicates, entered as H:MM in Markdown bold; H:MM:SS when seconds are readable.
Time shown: **2:44**
